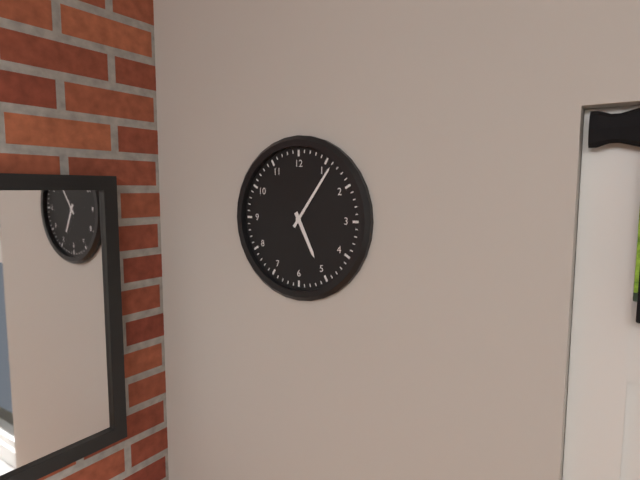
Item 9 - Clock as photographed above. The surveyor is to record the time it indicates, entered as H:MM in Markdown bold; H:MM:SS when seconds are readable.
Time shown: **5:06**
